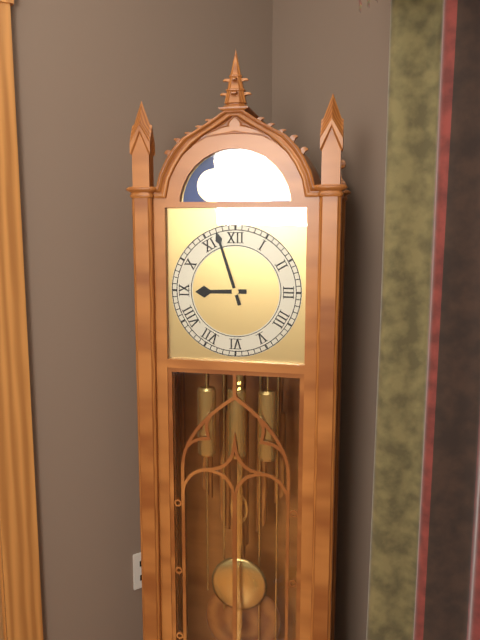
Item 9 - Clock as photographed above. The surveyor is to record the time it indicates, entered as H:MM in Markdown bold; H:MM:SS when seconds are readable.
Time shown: **8:57**
